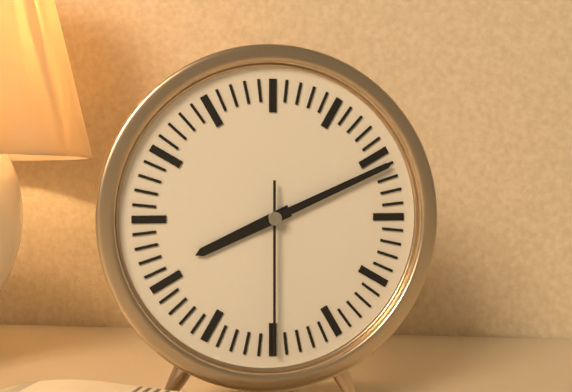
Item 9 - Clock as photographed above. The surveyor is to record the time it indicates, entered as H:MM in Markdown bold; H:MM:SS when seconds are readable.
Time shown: **8:11:30**
